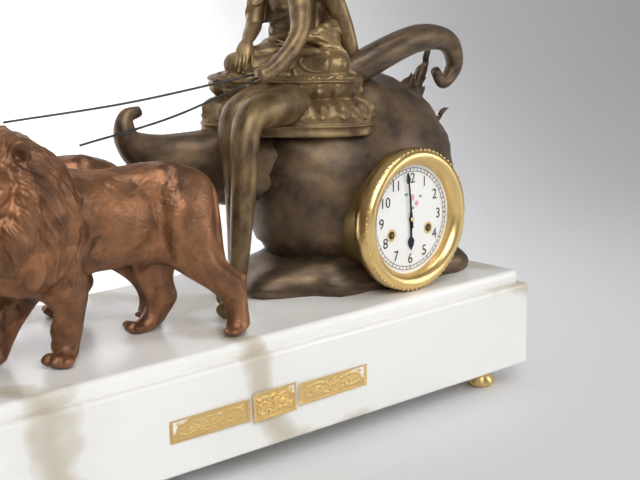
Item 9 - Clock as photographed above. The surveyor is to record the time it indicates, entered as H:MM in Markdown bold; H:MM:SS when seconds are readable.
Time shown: **5:59**
